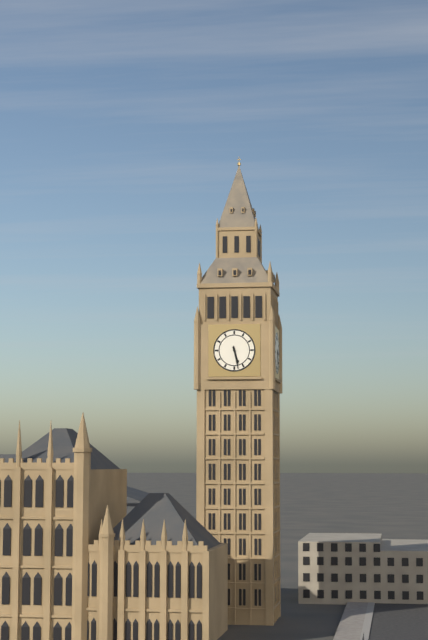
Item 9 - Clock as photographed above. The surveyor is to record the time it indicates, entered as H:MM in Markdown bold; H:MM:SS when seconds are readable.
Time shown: **5:28**
